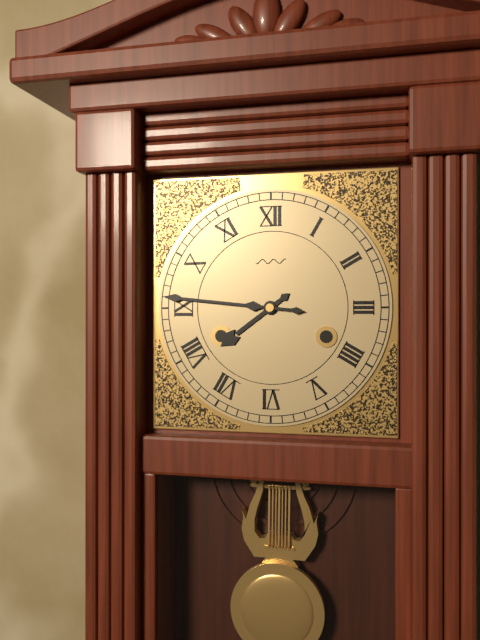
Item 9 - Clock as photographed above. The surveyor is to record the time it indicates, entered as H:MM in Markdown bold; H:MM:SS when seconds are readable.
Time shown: **7:46**
